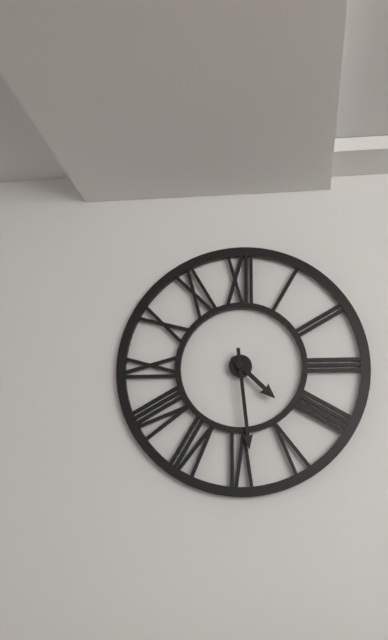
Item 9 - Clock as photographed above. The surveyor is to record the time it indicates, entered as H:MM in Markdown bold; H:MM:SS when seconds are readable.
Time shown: **4:29**
